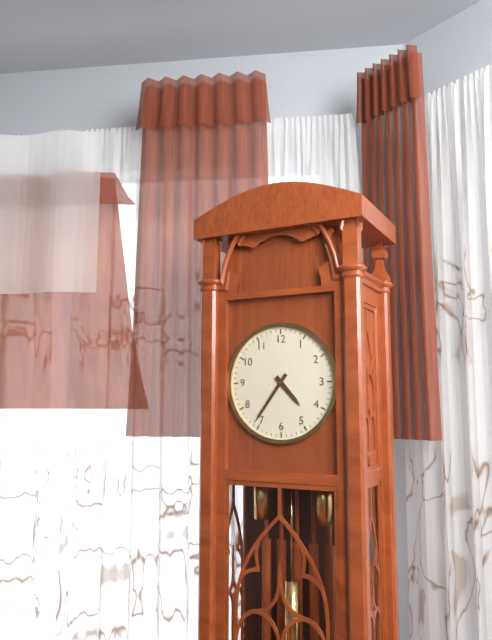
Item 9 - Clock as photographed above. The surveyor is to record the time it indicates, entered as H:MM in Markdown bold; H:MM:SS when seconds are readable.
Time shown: **4:36**
